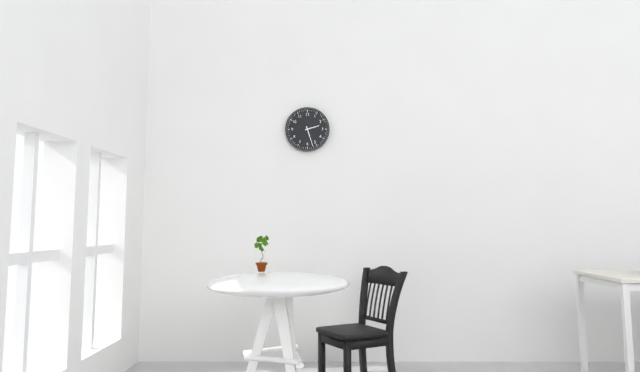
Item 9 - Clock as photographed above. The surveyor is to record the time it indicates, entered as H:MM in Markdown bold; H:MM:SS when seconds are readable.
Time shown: **2:27**
